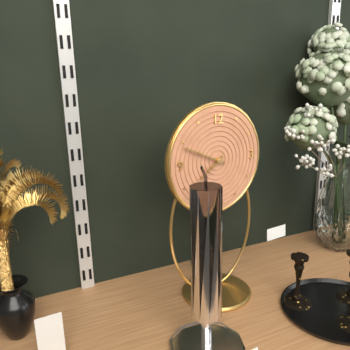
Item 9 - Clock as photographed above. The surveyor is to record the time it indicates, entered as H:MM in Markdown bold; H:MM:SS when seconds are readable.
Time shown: **7:49**
